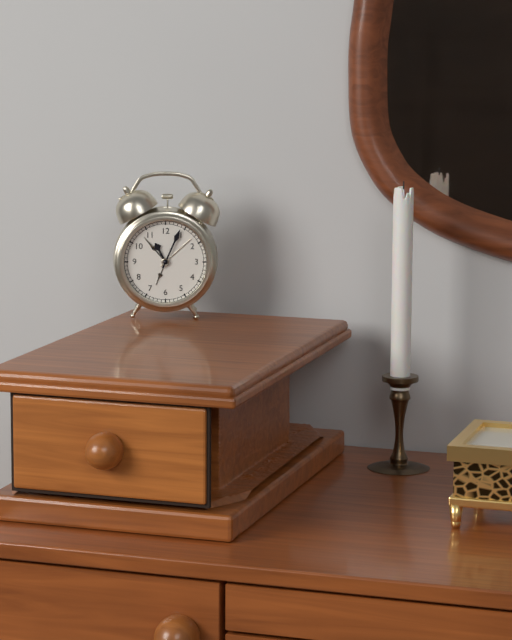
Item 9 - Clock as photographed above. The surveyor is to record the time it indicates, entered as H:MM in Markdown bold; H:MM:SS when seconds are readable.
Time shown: **11:04**
